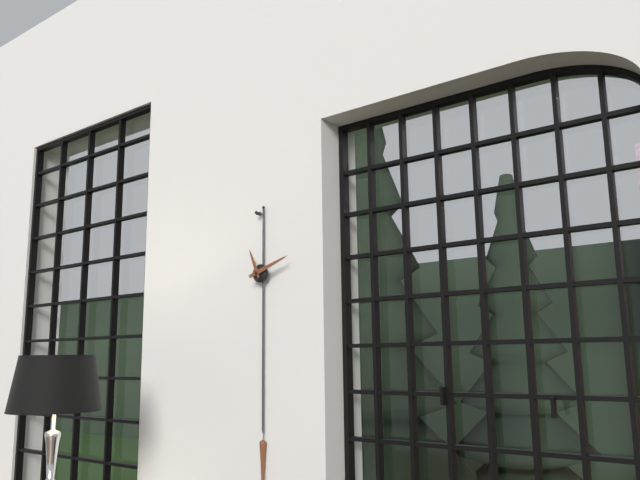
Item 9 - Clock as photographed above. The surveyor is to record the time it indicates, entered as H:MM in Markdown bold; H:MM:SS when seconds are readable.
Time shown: **11:12**
